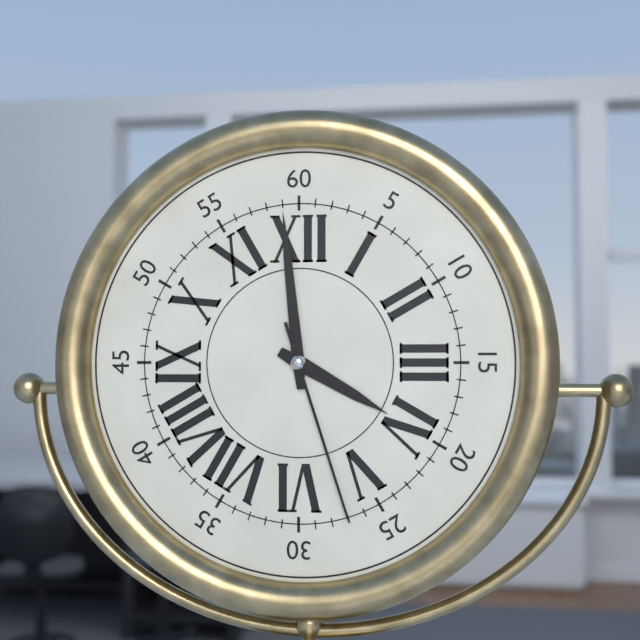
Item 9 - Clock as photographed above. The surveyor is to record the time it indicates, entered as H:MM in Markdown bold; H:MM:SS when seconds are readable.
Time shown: **3:59:27**
